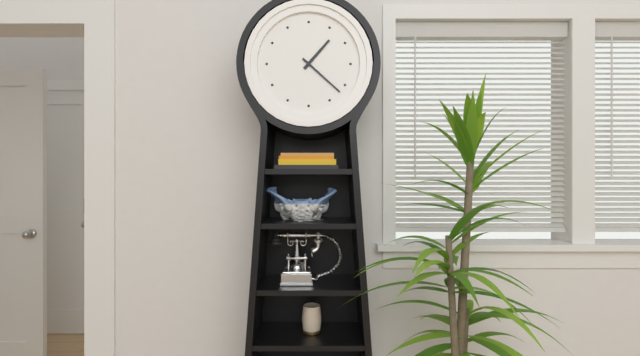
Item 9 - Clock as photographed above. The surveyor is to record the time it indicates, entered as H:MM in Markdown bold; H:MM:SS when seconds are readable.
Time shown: **1:22**
